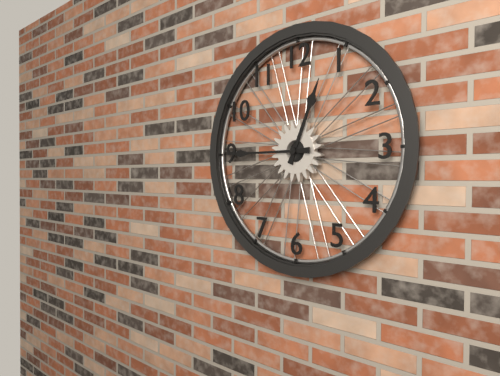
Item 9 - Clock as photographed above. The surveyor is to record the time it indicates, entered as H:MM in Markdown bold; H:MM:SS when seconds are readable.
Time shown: **12:45**
